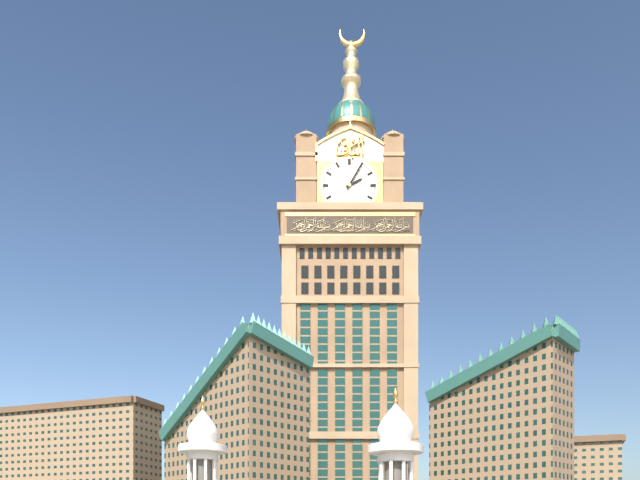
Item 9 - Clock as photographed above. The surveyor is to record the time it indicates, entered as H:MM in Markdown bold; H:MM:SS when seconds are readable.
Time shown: **2:05**
